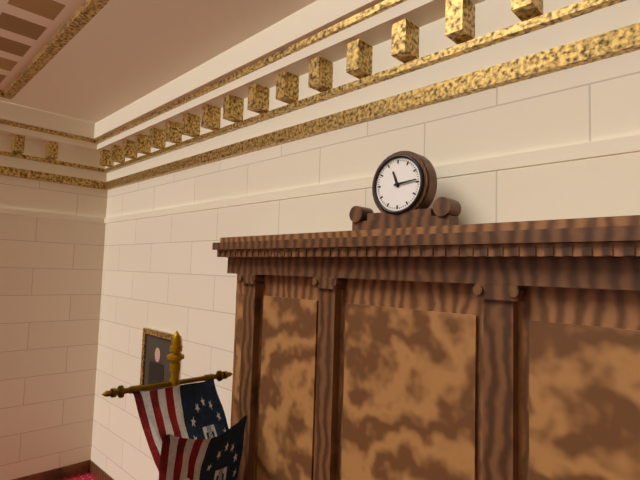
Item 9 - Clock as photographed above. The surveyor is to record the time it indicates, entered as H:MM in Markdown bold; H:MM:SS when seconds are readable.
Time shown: **11:14**
